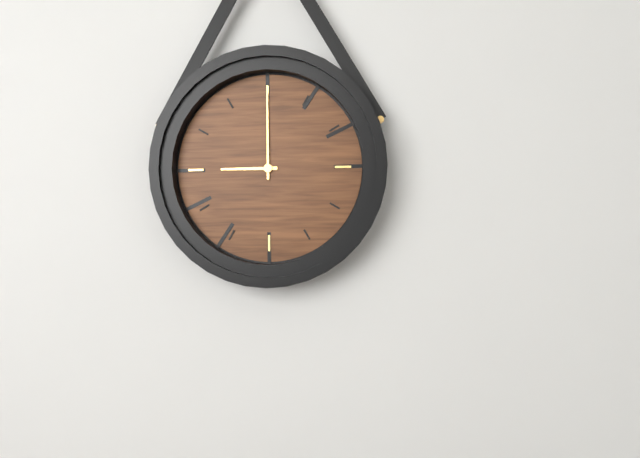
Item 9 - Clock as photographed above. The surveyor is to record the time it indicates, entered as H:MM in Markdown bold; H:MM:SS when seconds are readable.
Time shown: **9:00**
